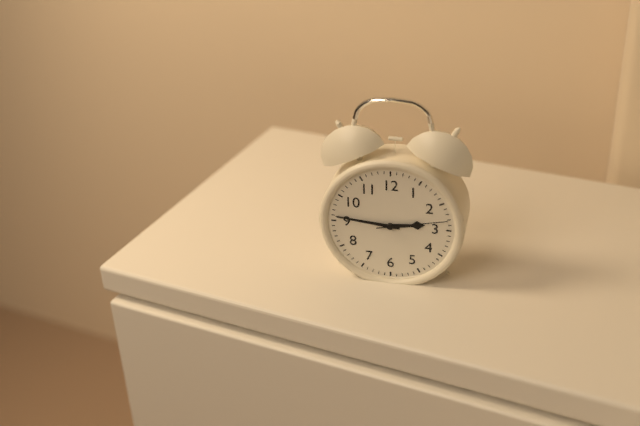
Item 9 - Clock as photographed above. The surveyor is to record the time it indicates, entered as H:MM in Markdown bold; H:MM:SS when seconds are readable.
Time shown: **2:46:13**
